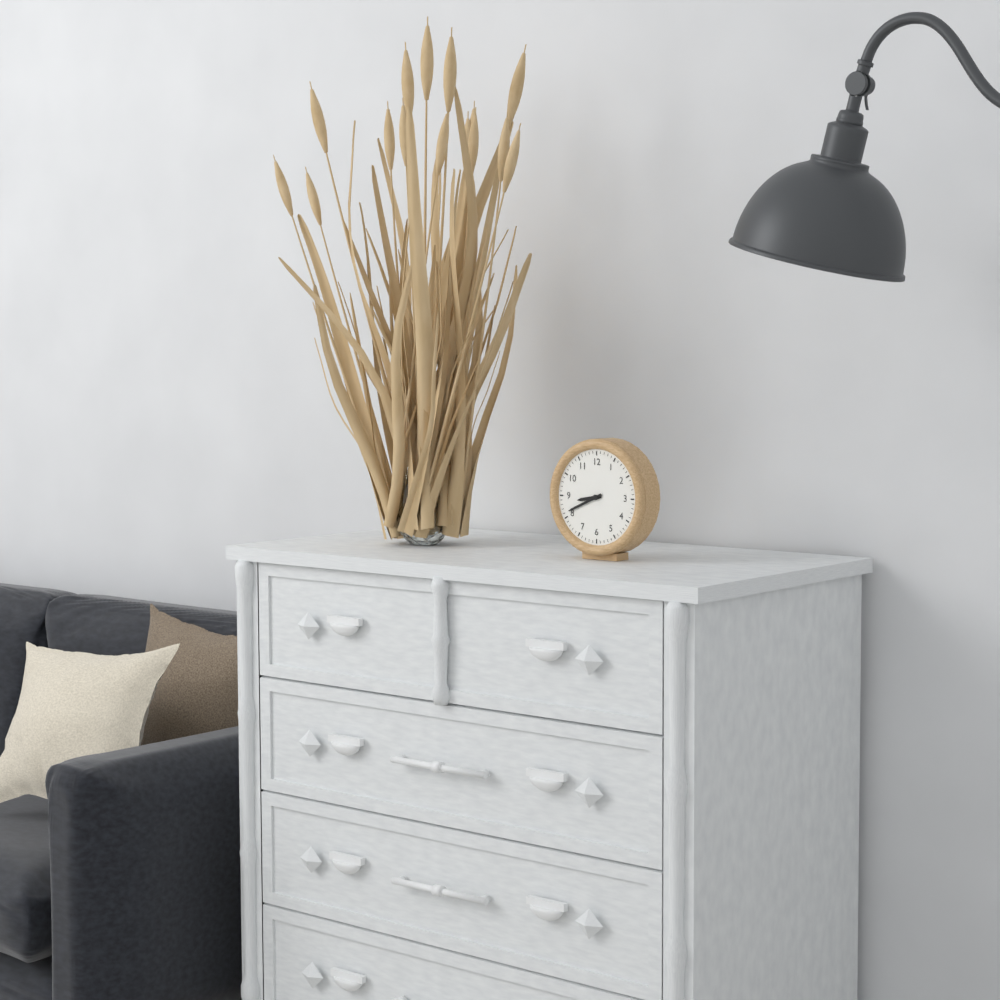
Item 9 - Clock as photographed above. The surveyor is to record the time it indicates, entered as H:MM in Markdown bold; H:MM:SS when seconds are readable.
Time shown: **8:41**
